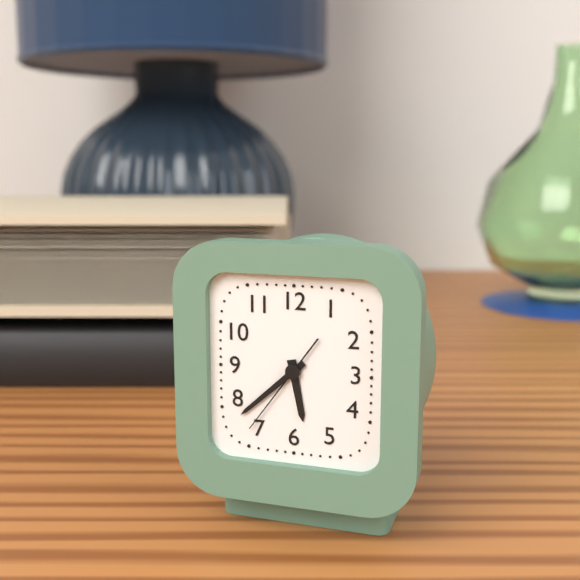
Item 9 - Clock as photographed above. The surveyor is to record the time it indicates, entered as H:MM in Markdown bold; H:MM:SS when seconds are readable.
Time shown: **5:38:36**
